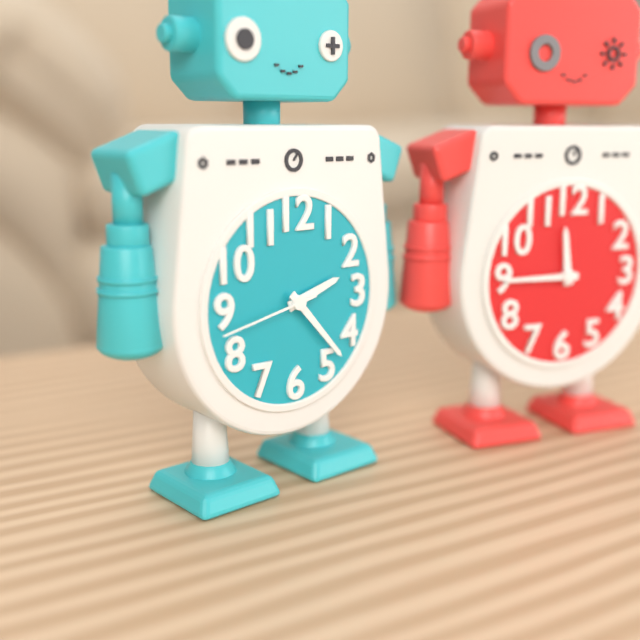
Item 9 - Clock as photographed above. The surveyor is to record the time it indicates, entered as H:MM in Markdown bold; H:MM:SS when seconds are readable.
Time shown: **2:23:43**
